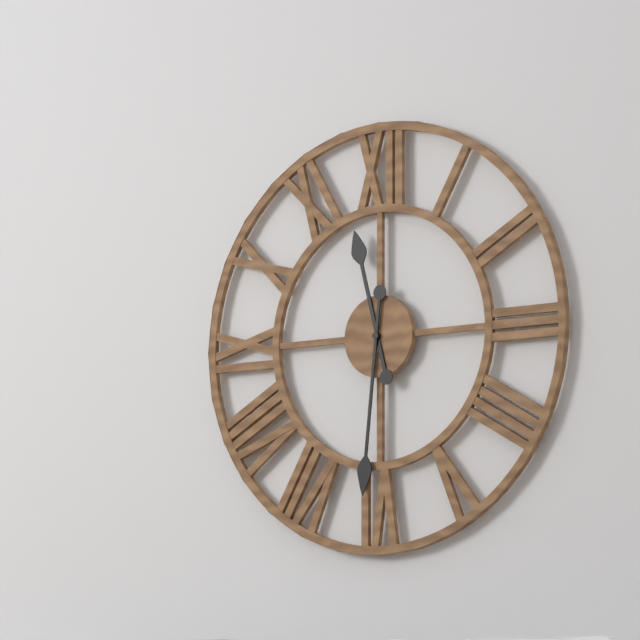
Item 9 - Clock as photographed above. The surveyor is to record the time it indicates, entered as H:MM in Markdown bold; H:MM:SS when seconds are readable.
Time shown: **11:31**
